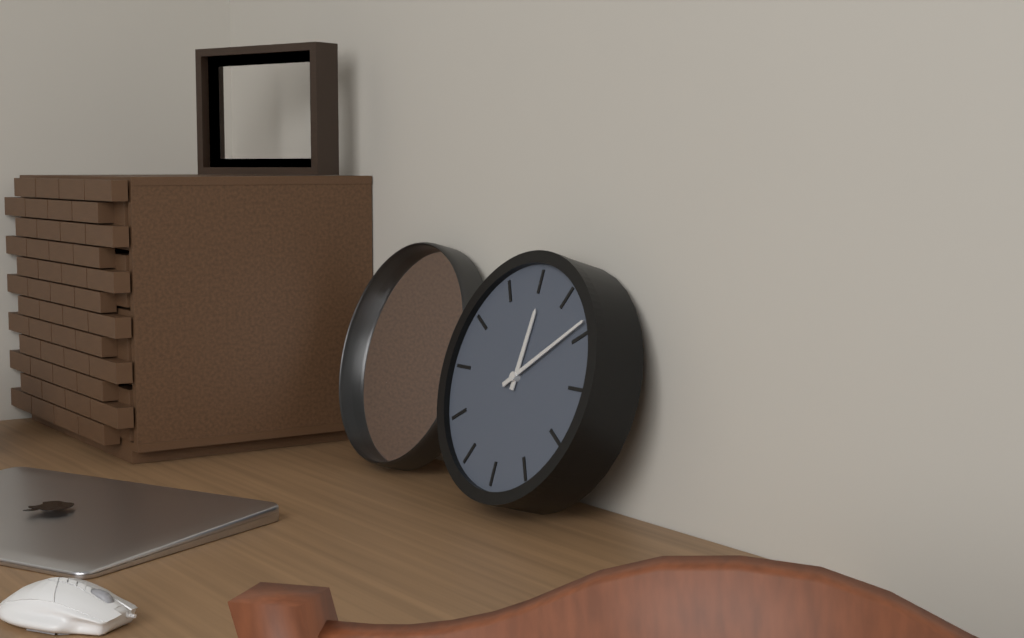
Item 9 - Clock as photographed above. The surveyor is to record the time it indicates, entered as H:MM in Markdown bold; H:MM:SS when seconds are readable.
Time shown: **12:09**
